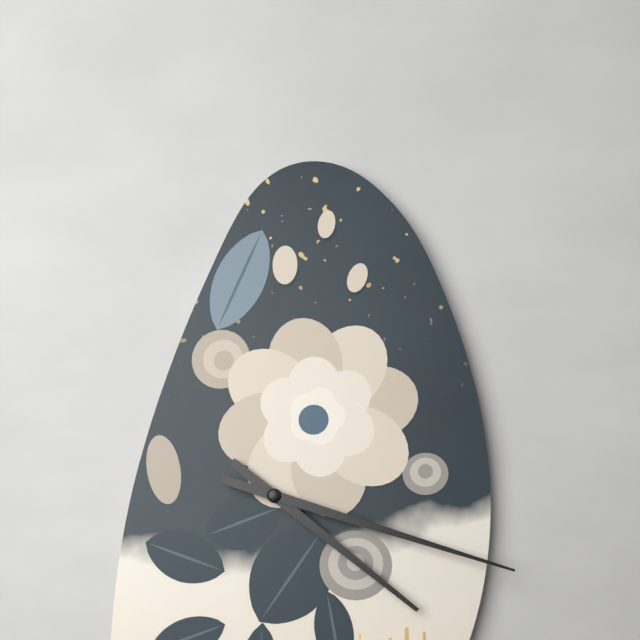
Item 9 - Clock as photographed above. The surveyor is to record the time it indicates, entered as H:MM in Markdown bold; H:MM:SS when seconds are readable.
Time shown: **4:18**
